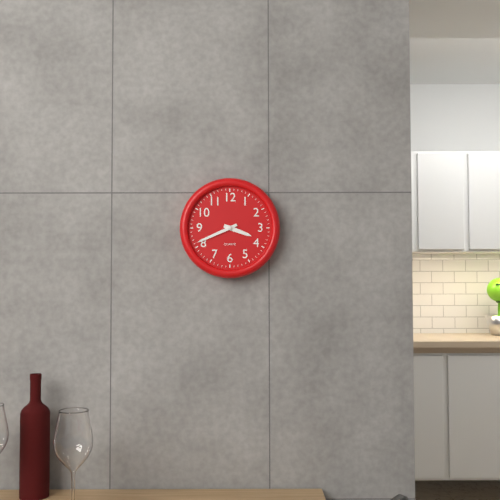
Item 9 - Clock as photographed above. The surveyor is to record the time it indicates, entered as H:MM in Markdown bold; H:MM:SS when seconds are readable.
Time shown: **3:41**
